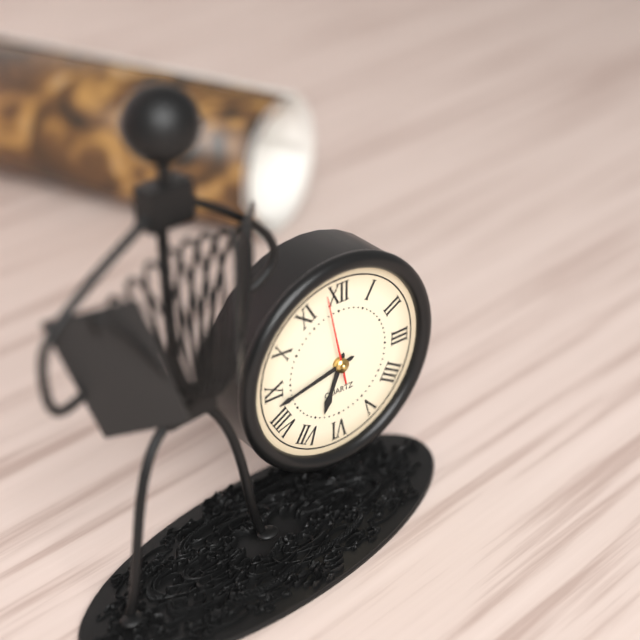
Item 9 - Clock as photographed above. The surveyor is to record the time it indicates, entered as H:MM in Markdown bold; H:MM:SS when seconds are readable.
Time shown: **6:43:58**
